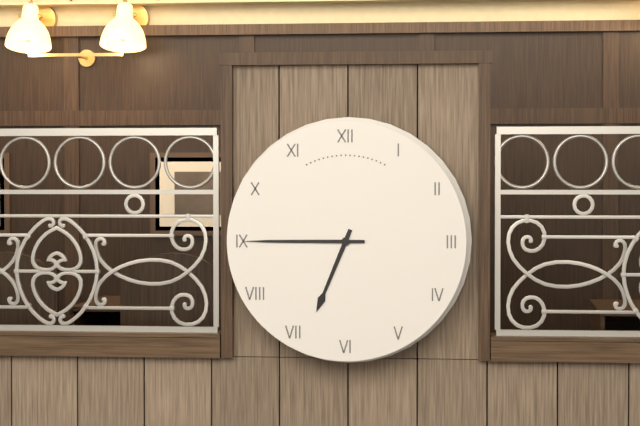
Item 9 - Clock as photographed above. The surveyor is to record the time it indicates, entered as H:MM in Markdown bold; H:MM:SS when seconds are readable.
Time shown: **6:45**
